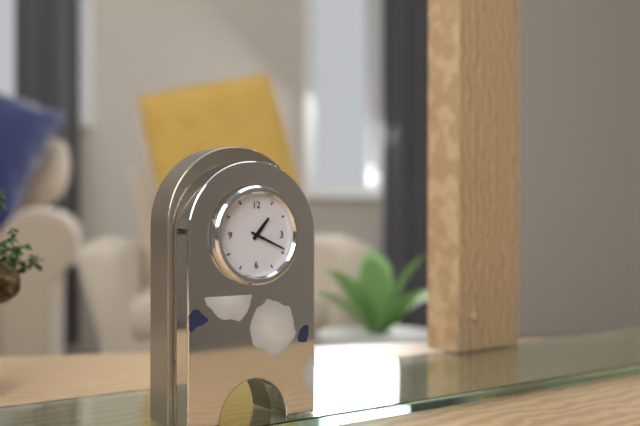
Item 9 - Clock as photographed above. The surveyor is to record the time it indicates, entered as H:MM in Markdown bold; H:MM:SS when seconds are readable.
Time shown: **1:19**
